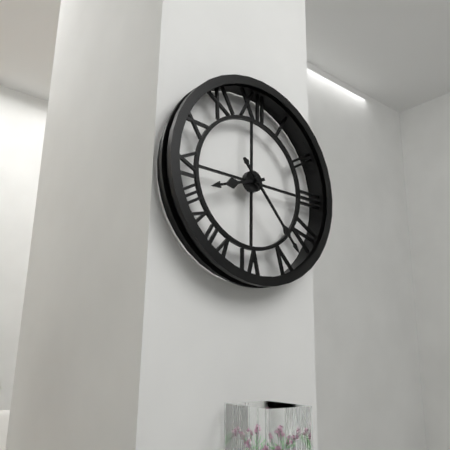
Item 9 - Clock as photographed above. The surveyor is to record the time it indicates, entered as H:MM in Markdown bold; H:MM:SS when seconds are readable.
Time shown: **8:23**
